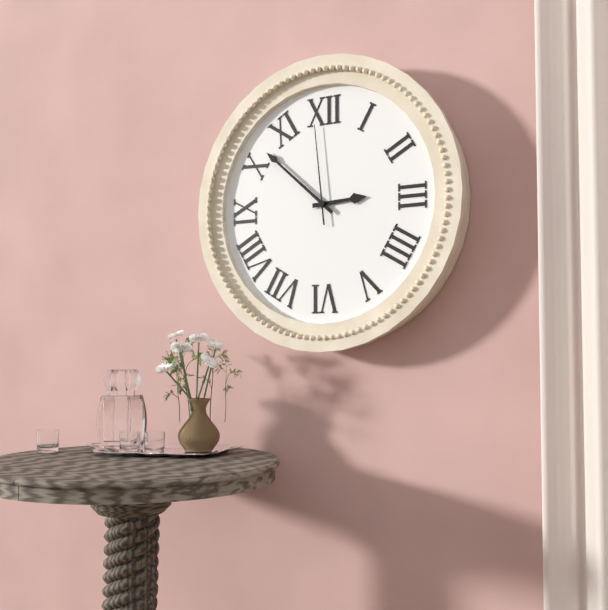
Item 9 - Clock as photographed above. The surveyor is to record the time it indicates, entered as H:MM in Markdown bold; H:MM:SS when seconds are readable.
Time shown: **2:52:59**
